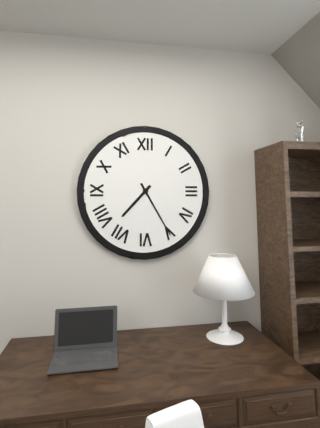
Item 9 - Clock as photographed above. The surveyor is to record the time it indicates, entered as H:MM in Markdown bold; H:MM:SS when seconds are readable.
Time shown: **7:25**
